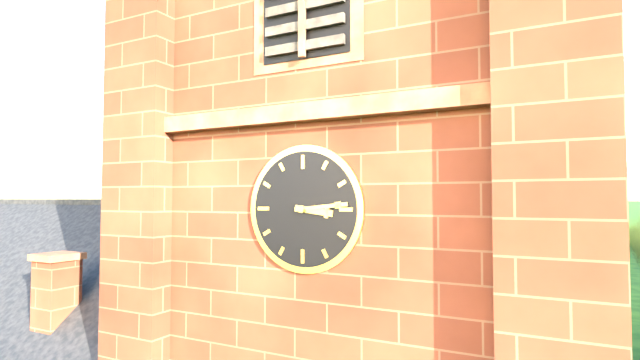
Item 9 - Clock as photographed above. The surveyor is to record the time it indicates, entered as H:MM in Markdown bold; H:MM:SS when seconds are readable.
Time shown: **3:14**
